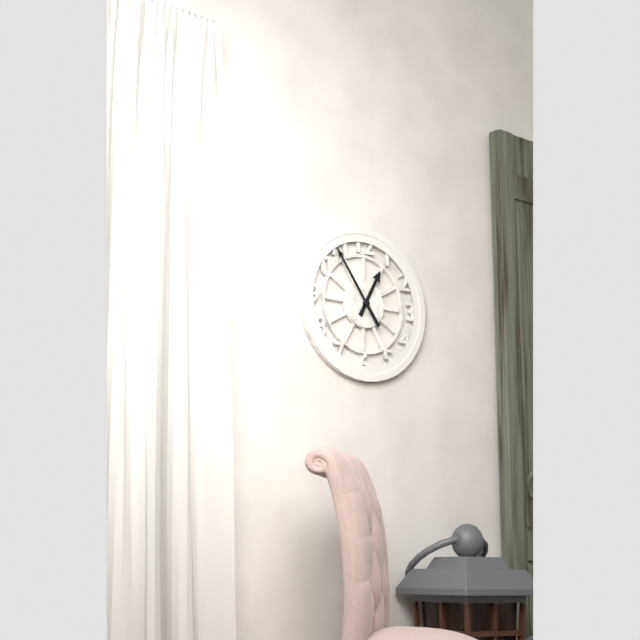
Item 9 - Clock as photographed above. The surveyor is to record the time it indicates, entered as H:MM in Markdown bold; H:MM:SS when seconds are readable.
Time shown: **12:54**
